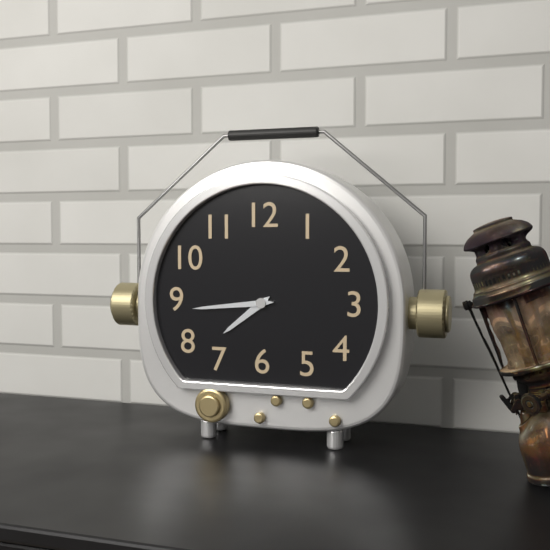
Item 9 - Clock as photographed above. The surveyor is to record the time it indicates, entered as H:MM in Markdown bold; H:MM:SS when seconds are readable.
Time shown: **7:44**
